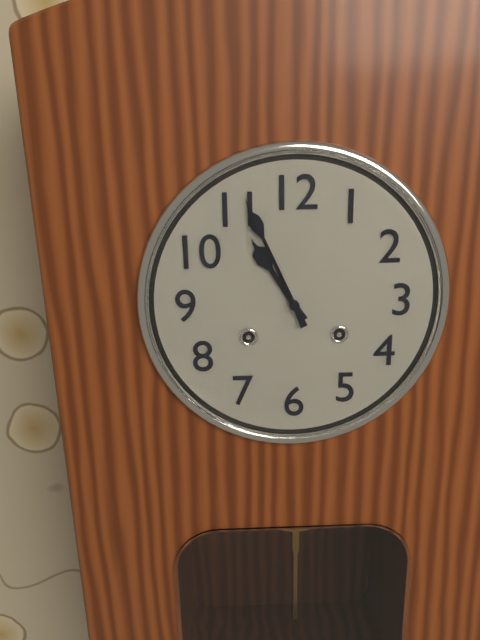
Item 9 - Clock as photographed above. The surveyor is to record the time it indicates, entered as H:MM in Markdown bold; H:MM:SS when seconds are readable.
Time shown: **10:56**
